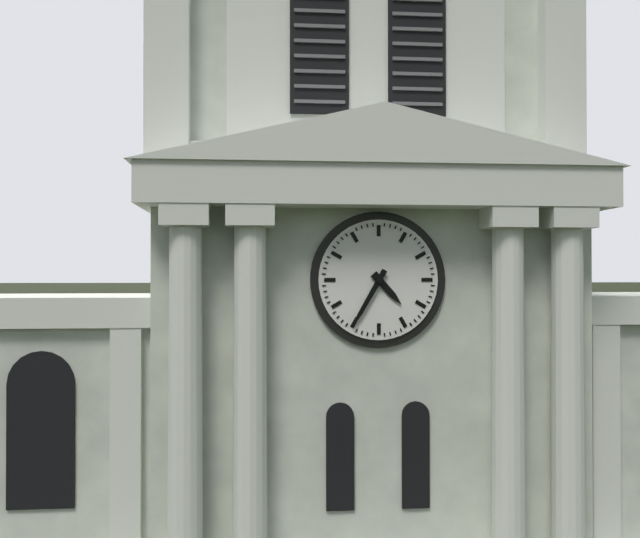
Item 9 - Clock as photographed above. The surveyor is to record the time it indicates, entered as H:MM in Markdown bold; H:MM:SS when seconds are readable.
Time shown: **4:35**
